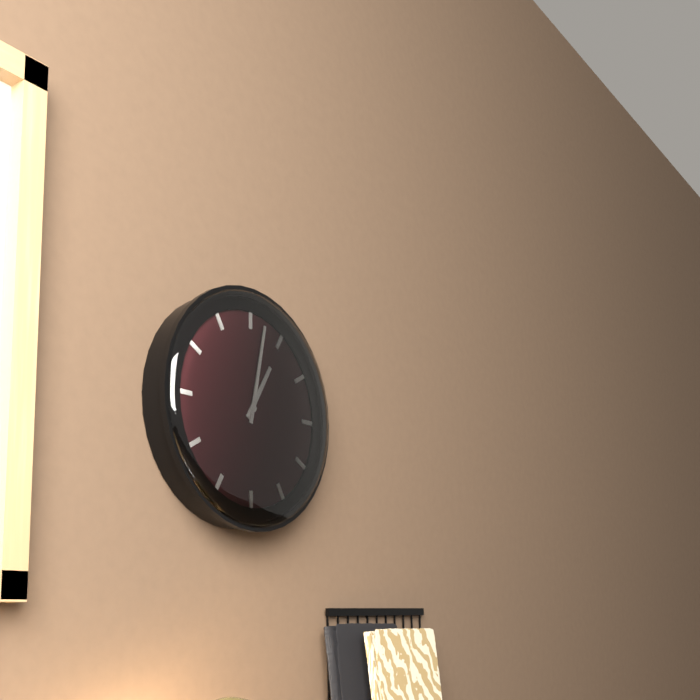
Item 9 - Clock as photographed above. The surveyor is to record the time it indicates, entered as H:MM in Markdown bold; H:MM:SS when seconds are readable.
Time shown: **1:02**
